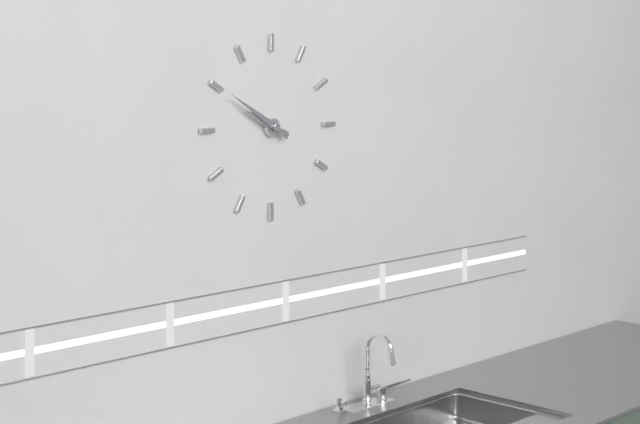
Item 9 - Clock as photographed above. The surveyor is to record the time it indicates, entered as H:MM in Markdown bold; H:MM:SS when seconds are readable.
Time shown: **9:50**
